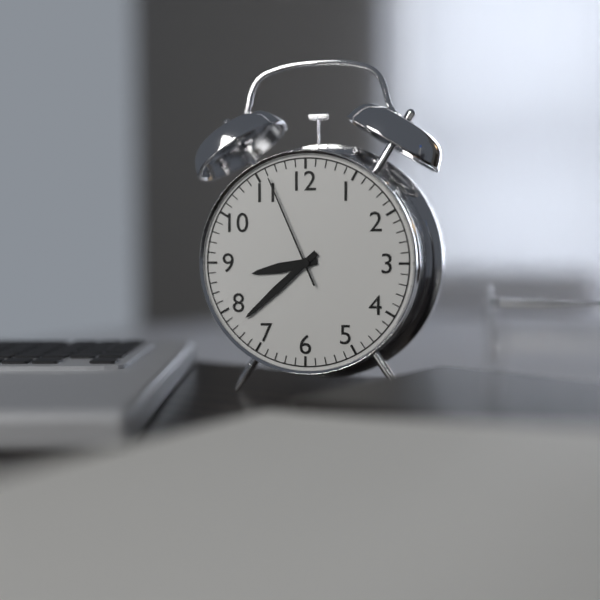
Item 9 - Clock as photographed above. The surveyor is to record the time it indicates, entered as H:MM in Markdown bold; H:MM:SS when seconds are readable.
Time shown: **8:38:56**
